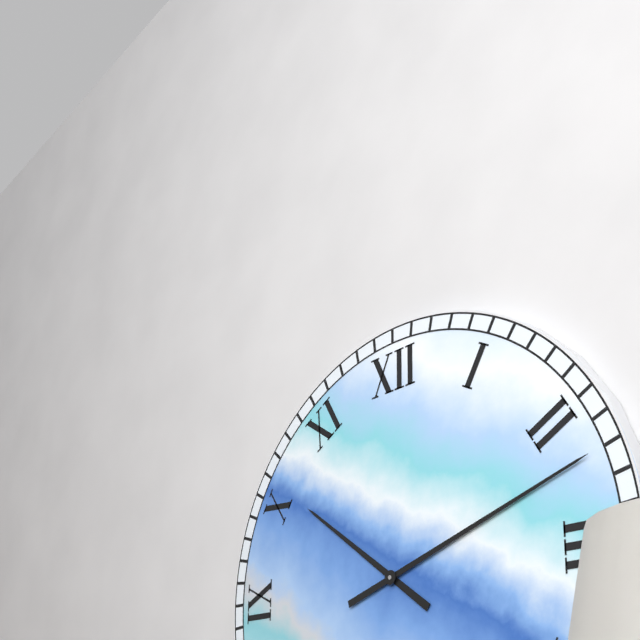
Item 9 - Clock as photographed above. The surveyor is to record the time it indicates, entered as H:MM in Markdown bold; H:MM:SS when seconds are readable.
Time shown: **10:12**
